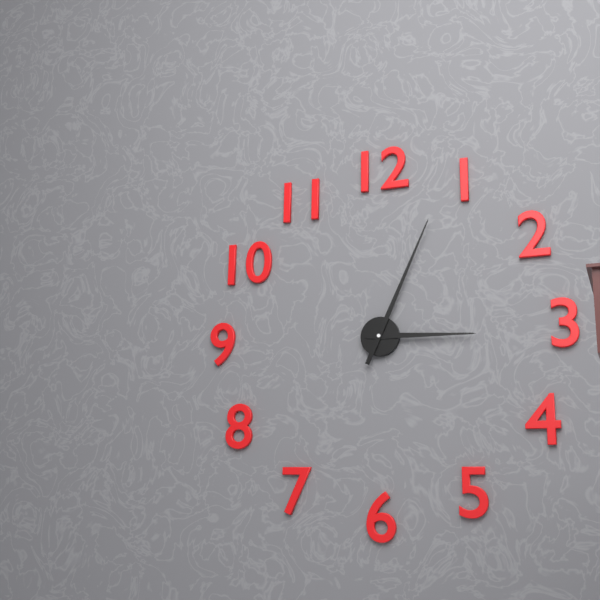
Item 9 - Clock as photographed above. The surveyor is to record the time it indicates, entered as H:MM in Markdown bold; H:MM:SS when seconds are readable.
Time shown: **3:04**
